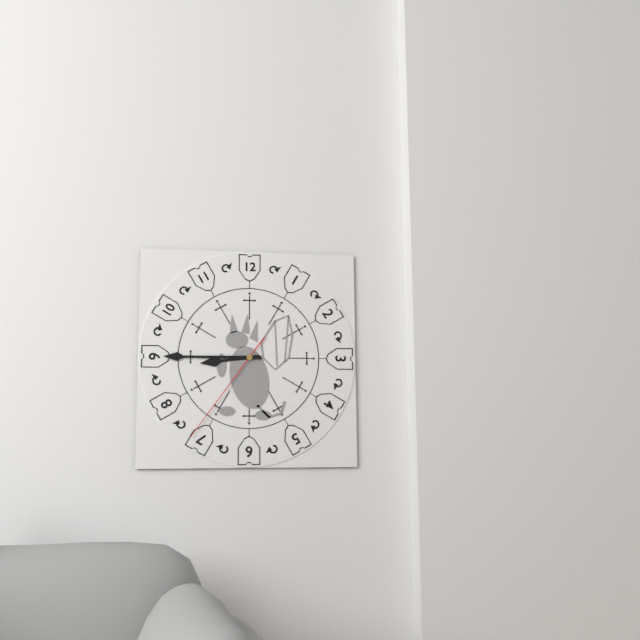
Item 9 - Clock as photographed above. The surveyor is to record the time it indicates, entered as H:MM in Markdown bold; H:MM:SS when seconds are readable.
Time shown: **8:45:36**
